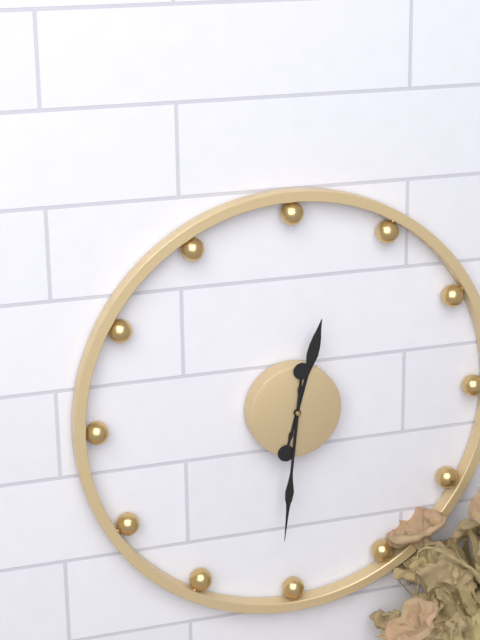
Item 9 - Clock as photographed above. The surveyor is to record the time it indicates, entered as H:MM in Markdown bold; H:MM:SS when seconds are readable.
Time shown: **12:31**
